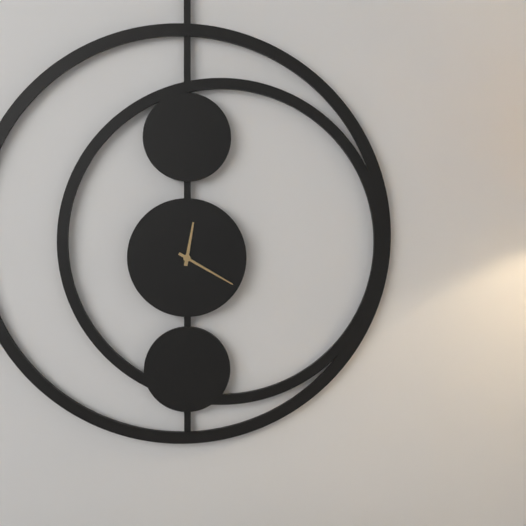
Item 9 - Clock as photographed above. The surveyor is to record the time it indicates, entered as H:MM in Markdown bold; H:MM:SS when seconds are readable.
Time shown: **12:20**
